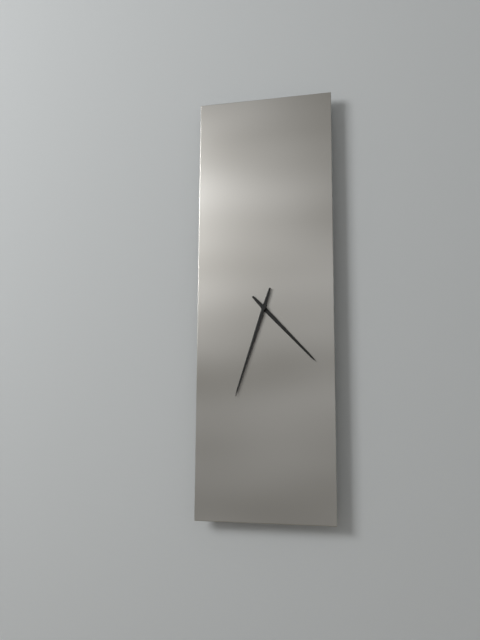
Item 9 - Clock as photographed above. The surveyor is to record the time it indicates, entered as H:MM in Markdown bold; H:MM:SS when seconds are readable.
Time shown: **4:33**
